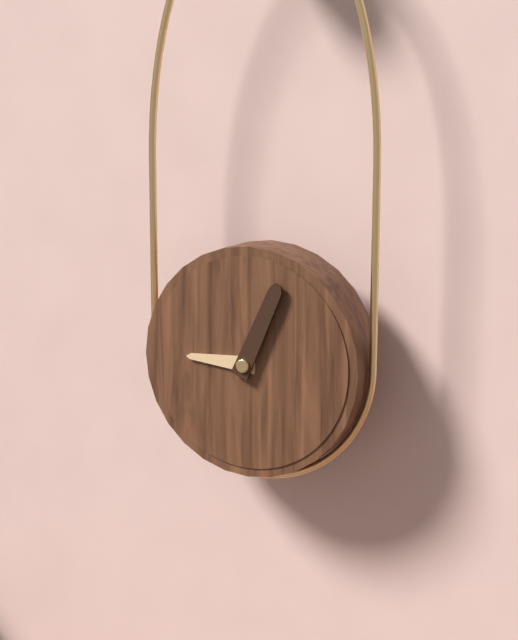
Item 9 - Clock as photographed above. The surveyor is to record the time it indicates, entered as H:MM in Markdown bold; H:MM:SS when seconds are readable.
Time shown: **9:04**
